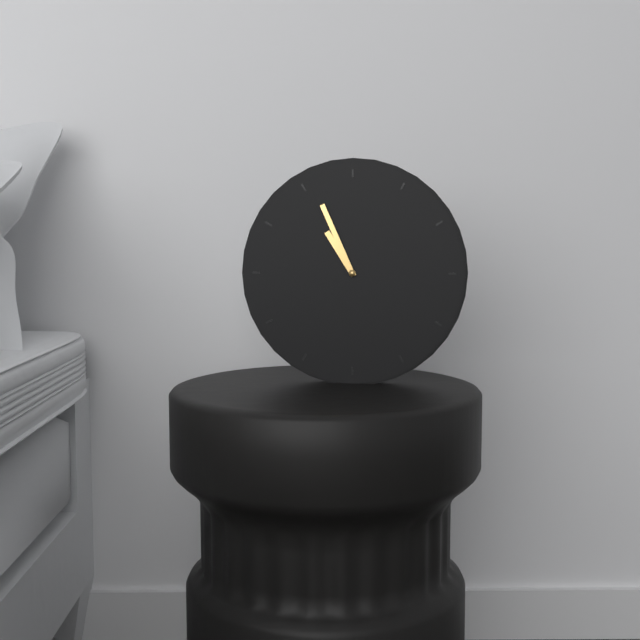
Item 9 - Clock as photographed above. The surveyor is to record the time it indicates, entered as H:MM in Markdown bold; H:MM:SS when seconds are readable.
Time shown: **10:56**
